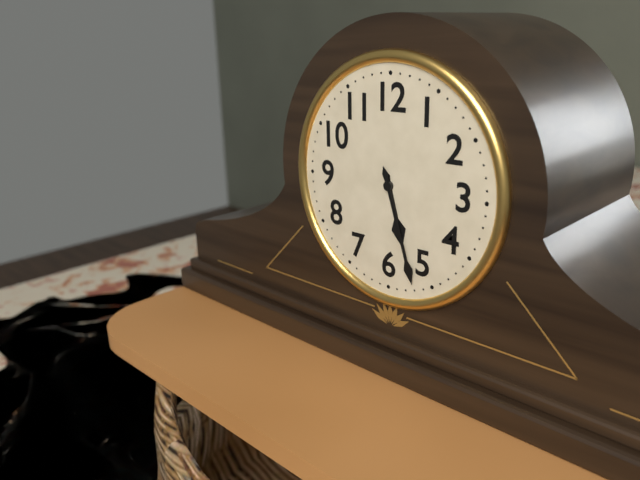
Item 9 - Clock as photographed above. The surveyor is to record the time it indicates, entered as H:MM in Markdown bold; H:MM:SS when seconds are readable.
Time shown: **5:27**
